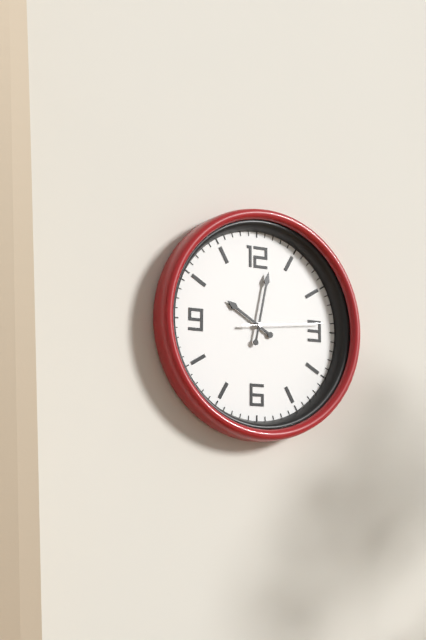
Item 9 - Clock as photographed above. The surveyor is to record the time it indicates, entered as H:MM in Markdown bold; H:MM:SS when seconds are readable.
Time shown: **10:02:14**
